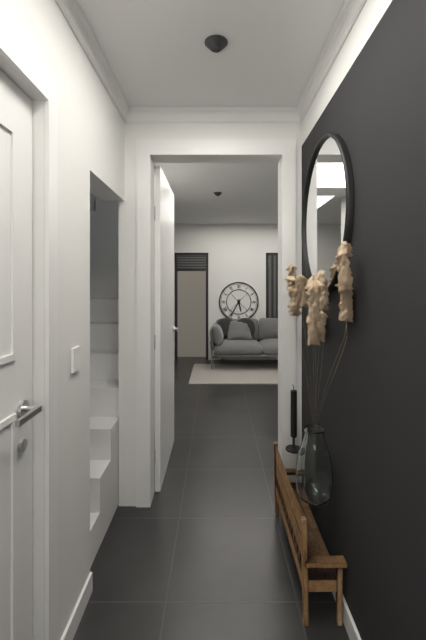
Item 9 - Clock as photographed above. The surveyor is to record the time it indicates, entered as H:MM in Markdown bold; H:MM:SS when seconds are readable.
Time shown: **5:35**
